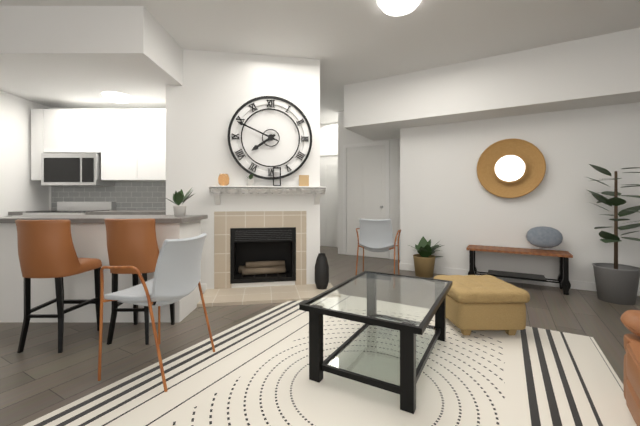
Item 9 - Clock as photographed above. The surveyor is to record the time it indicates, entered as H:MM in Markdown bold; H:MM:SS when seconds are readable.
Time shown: **7:49**
